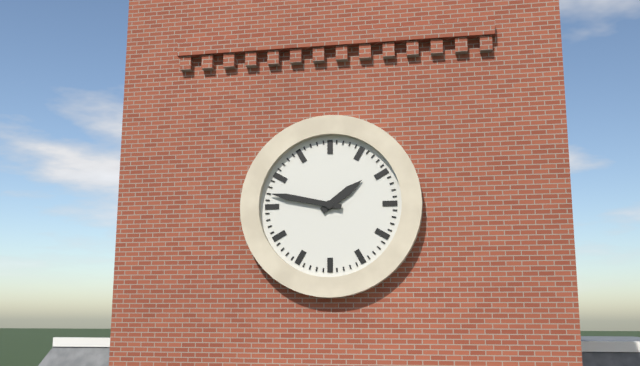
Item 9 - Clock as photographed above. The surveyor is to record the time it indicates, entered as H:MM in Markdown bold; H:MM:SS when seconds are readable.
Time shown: **1:47**
